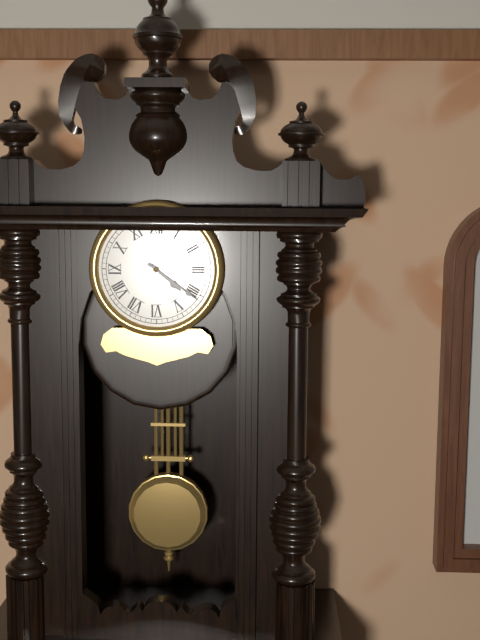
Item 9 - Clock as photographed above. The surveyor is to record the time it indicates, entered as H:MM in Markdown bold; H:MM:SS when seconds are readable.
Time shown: **4:21**
